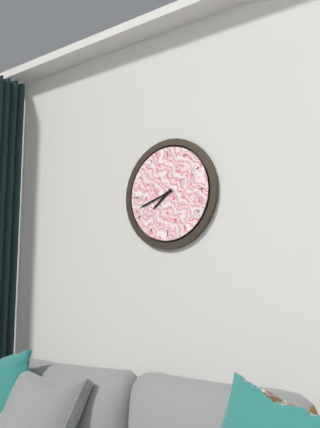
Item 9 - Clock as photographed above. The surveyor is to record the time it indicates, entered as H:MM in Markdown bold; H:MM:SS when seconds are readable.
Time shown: **7:42**
